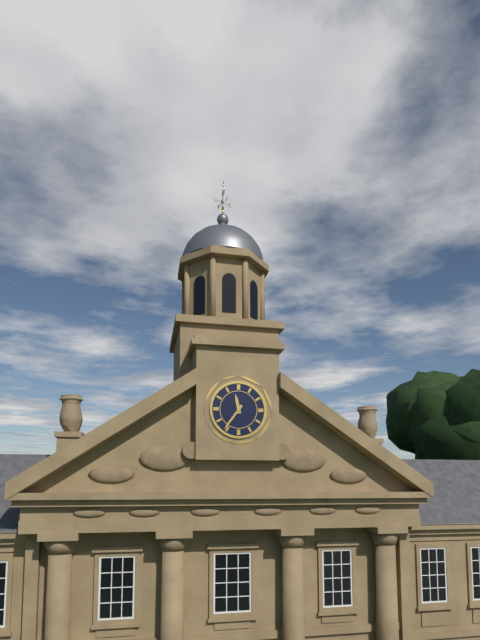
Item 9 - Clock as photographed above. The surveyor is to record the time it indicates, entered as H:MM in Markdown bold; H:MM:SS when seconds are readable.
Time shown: **11:36**
